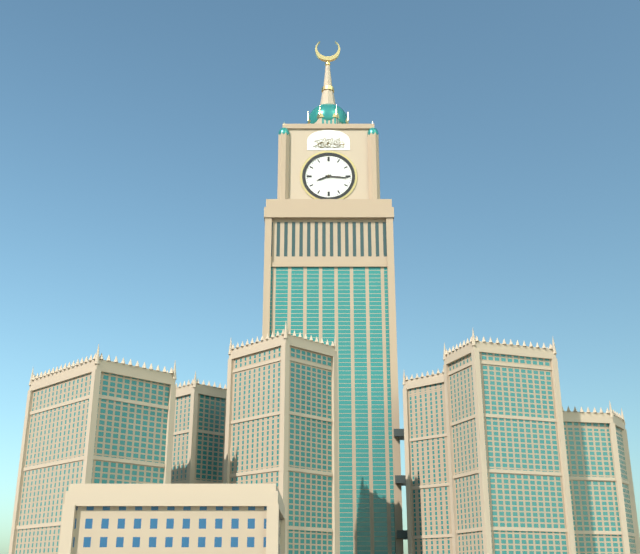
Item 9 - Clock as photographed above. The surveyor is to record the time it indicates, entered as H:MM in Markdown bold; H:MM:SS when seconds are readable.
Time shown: **8:16**
